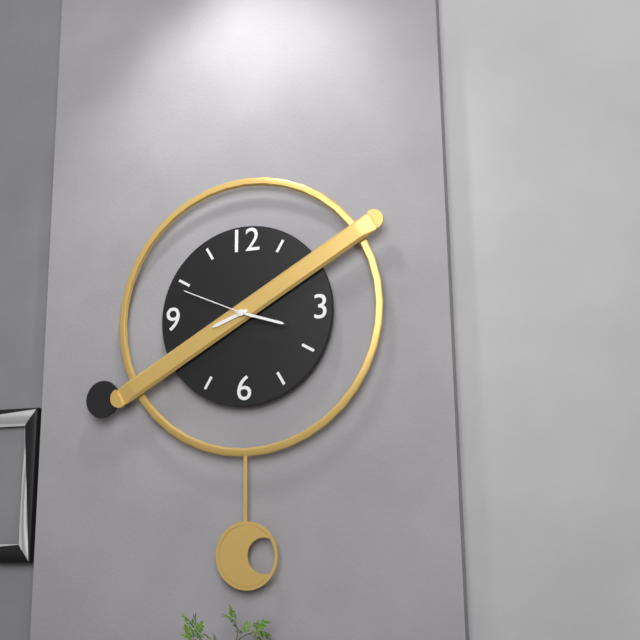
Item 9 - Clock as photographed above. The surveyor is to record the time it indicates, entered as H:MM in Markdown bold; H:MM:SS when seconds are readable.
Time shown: **8:18:49**
